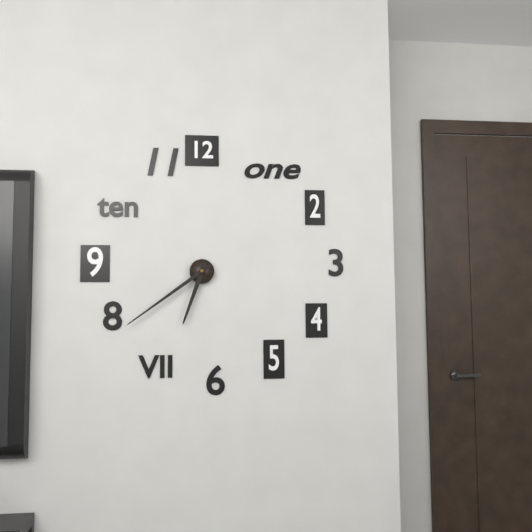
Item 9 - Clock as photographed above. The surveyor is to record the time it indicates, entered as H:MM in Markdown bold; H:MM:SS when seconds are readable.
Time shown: **6:39**
